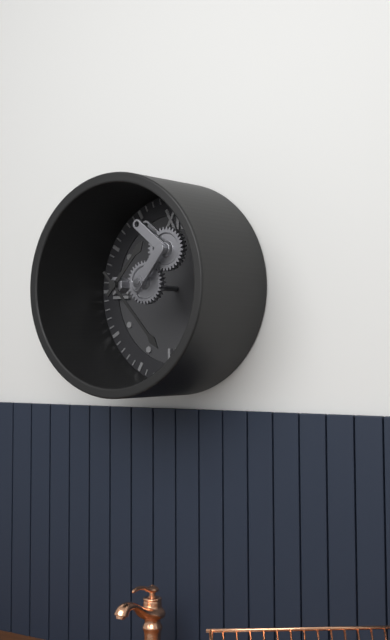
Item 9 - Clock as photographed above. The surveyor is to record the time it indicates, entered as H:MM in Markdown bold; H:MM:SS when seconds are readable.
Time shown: **1:23**
